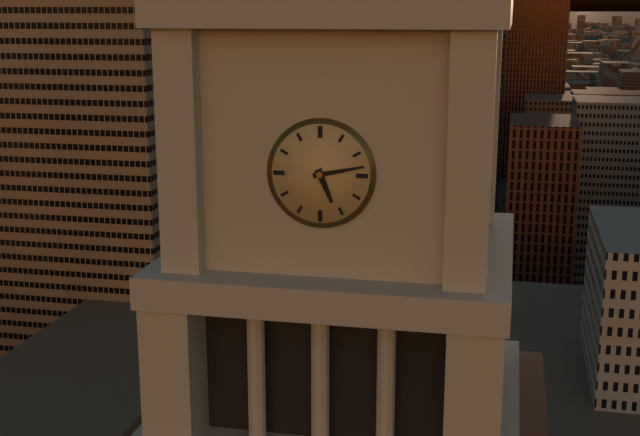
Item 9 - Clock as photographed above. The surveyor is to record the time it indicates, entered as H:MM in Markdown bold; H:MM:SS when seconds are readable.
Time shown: **5:13**
